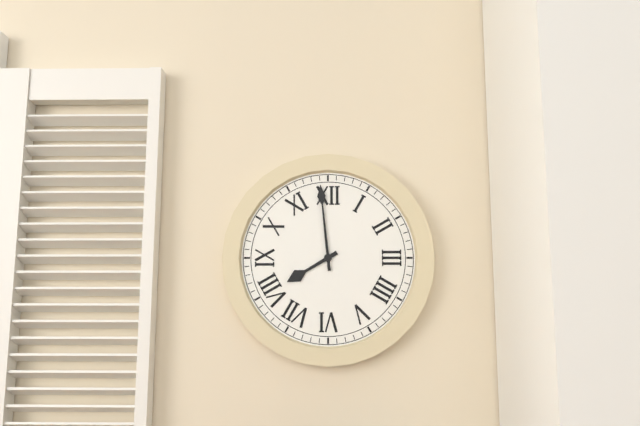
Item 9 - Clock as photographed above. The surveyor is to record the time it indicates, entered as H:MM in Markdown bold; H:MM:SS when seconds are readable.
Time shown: **7:59**
